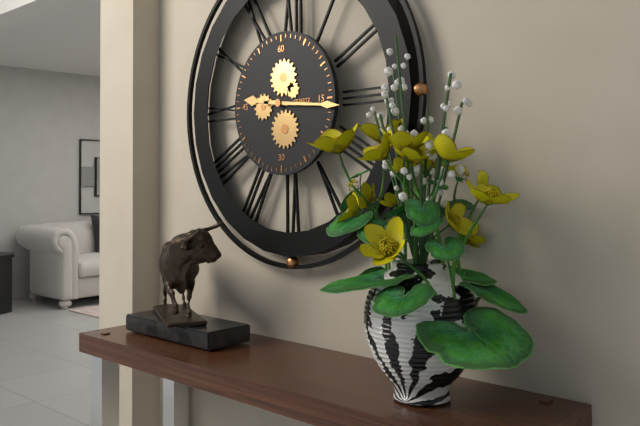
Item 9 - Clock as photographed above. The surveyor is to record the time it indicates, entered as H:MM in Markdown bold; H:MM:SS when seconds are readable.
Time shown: **9:16**
